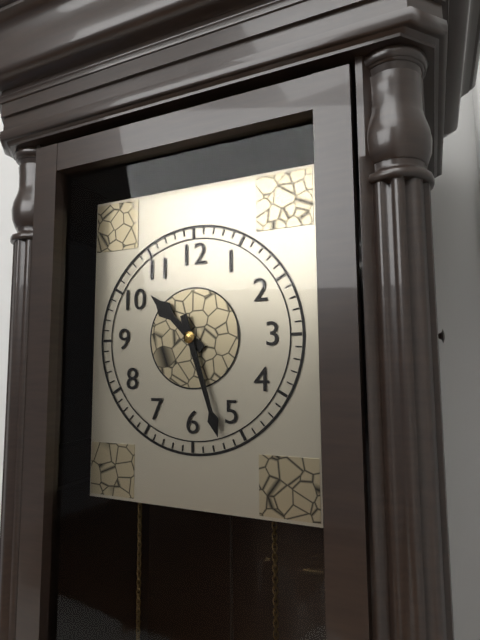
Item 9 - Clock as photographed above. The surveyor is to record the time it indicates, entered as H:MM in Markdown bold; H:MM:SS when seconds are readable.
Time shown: **10:27**
